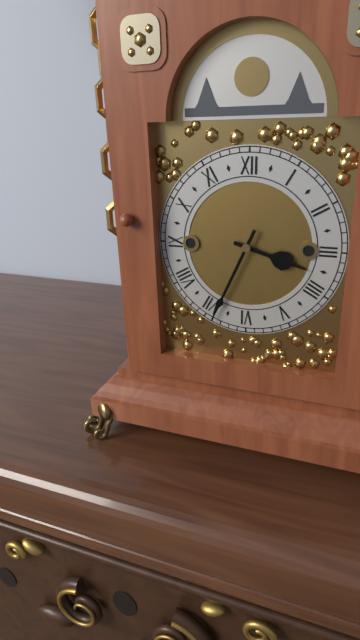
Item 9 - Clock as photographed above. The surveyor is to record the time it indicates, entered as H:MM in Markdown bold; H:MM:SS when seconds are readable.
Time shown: **3:34**
